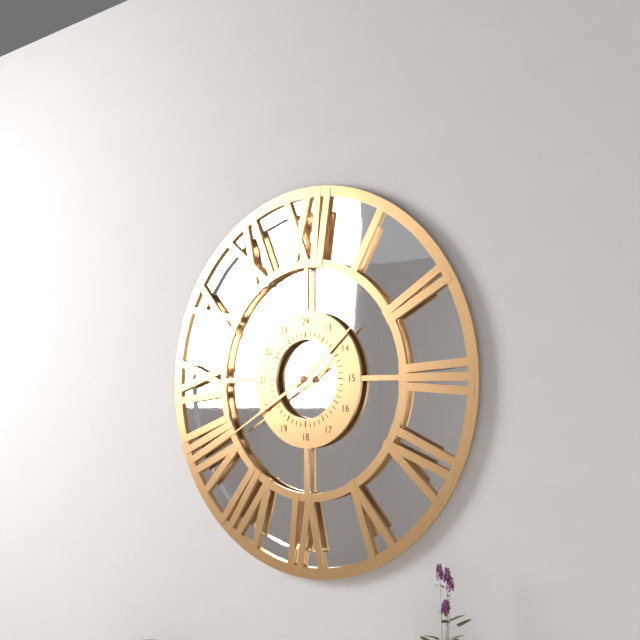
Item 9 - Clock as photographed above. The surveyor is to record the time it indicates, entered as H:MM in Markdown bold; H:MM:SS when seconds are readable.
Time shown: **1:40**
